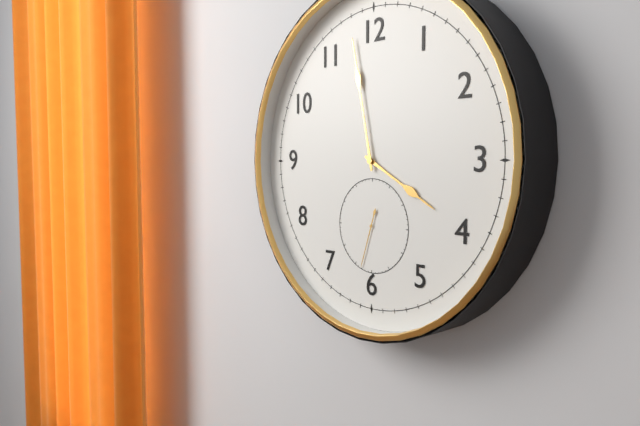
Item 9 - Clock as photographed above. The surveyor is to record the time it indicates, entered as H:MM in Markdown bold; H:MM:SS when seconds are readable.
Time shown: **3:58:33**
